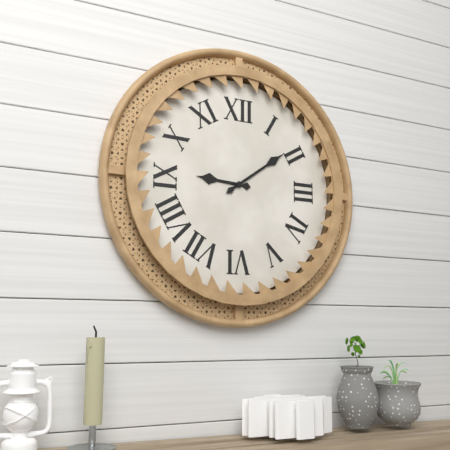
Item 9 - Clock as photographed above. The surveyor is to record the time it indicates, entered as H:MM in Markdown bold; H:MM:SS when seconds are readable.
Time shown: **9:09**
